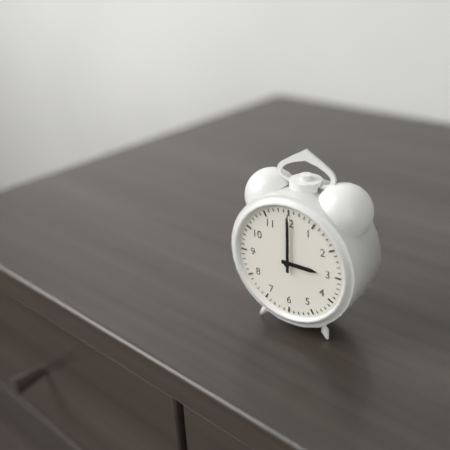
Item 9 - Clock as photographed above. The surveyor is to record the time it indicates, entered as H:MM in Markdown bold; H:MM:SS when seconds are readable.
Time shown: **3:00**
